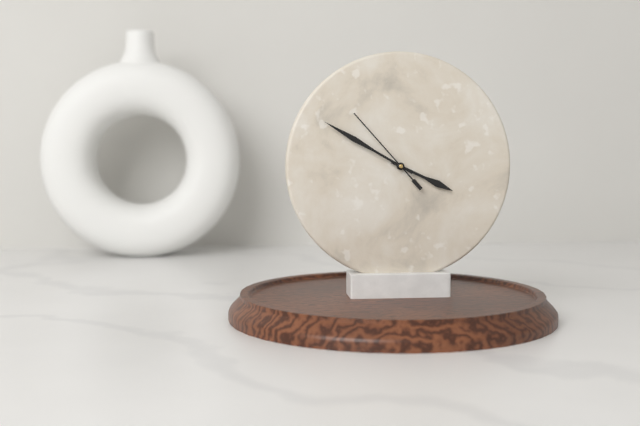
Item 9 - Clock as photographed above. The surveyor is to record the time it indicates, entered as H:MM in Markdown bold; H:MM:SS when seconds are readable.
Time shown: **3:50:53**
